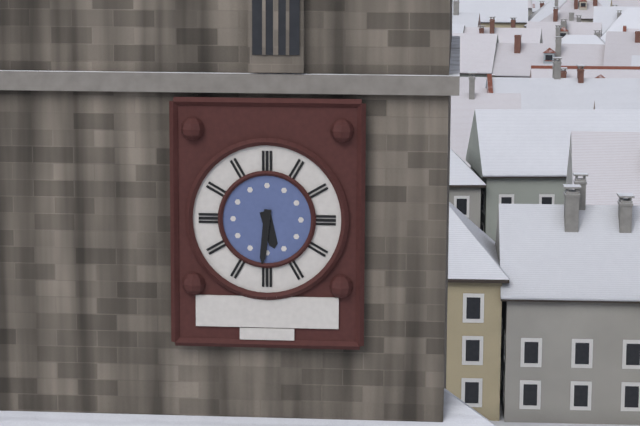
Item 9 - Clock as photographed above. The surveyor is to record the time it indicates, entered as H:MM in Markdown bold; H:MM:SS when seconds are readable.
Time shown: **5:31**
